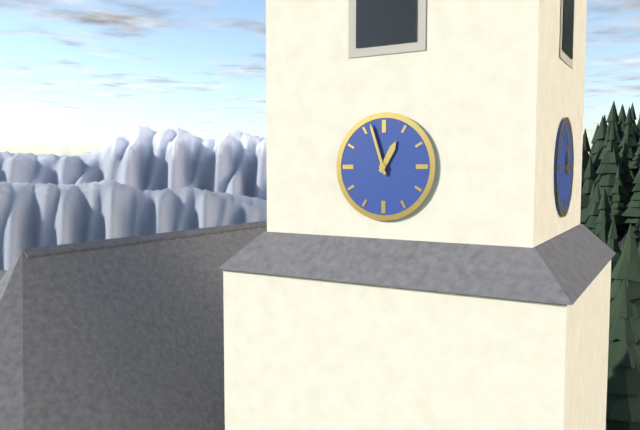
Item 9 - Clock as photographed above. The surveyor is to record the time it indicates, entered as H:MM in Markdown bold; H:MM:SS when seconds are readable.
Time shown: **12:57**
